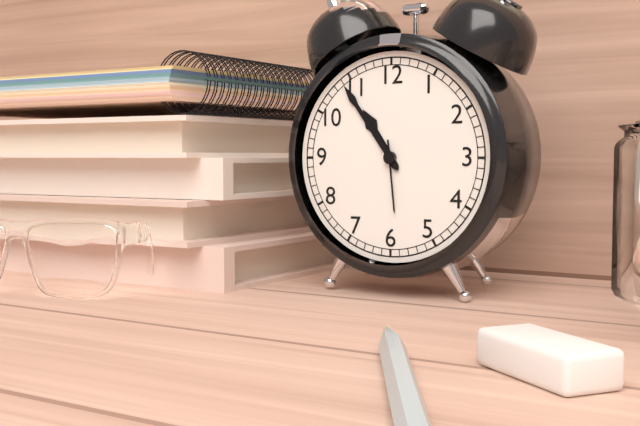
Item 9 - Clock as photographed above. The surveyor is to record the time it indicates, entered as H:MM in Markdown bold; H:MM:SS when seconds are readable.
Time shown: **10:54:29**
